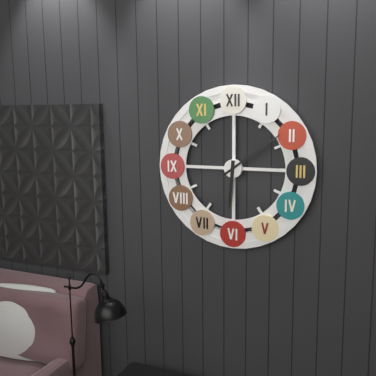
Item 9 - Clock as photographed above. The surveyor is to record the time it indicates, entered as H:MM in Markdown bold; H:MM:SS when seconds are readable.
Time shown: **6:09**
